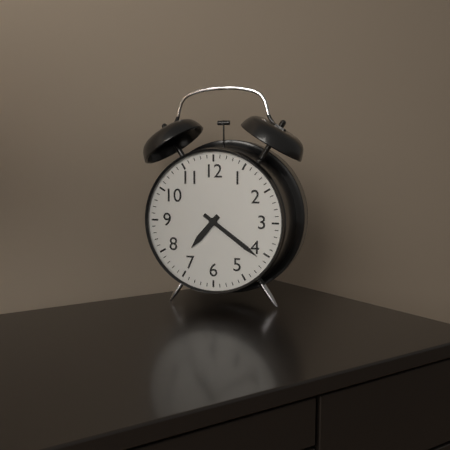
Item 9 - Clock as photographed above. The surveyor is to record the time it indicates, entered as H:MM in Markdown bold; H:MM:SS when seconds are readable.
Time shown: **7:21**
